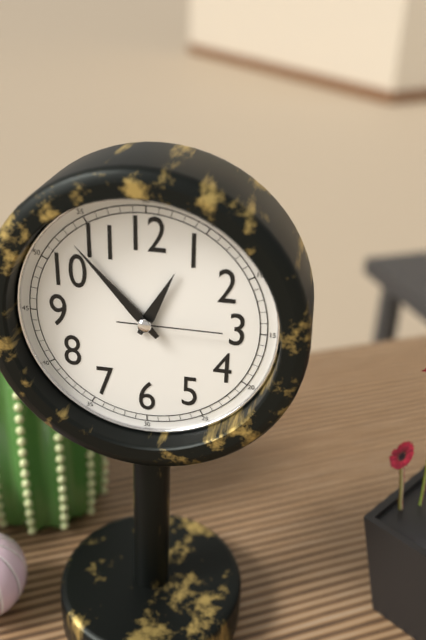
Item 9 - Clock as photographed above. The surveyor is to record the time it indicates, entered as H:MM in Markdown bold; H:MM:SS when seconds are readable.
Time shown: **12:53:15**
